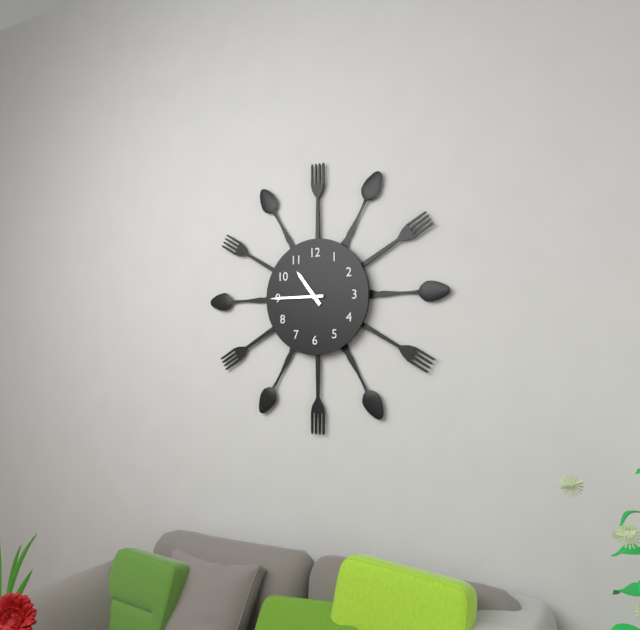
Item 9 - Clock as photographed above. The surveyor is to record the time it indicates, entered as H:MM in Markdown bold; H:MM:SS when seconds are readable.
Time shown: **10:45**
